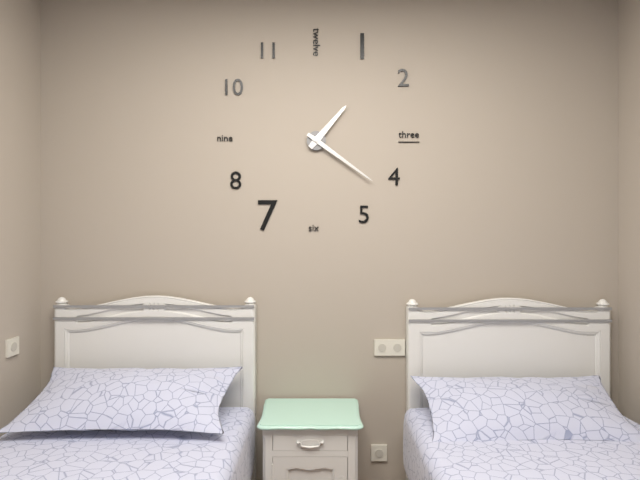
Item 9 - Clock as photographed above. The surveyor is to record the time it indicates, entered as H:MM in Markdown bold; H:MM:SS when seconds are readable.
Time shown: **1:21**
